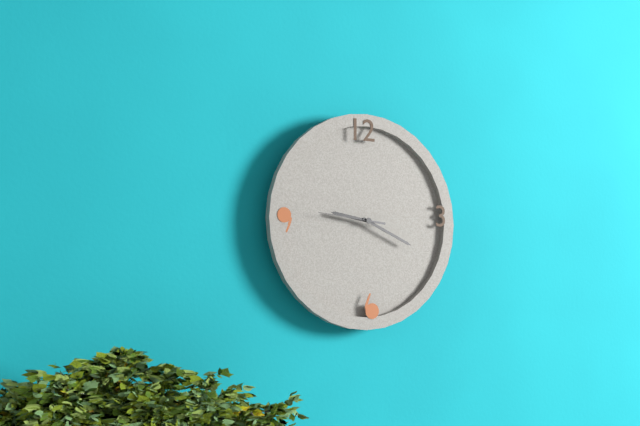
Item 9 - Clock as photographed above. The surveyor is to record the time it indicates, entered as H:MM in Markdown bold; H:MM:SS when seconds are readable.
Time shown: **9:19:46**
